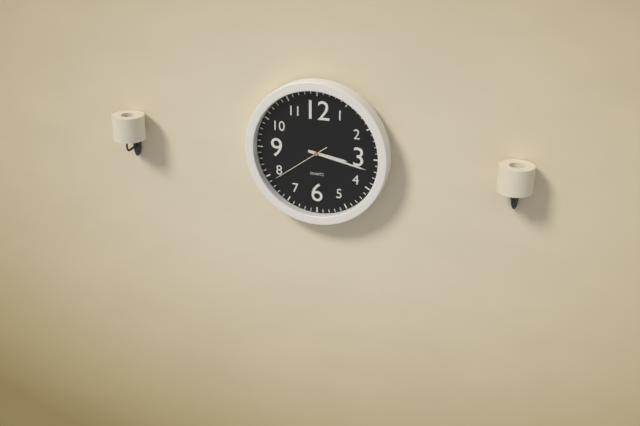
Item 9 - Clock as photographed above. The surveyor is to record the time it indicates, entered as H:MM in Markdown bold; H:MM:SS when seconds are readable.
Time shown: **3:17:39**
